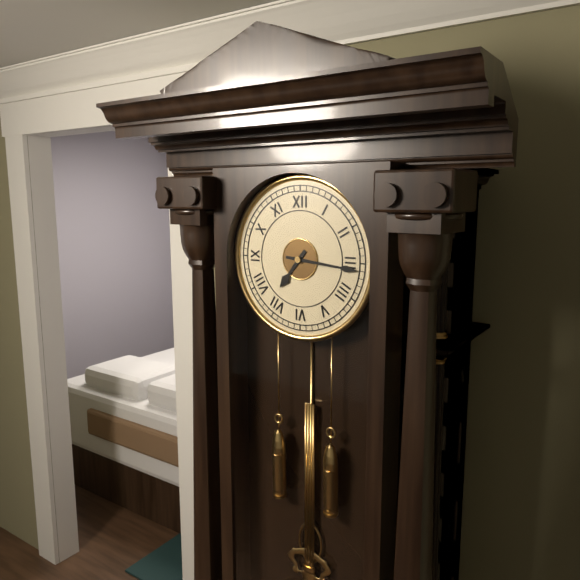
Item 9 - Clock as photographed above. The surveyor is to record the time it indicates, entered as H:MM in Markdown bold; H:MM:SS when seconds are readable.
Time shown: **7:16**
